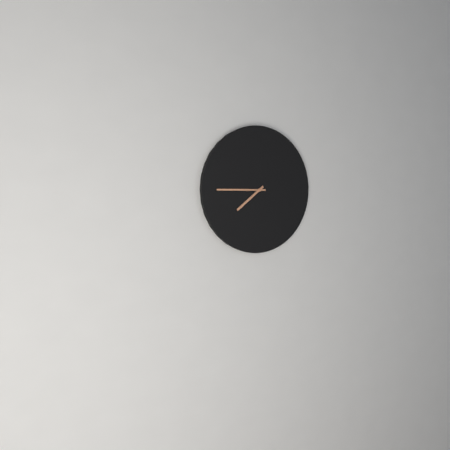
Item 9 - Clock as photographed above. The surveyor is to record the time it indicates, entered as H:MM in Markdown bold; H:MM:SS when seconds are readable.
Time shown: **7:45**
